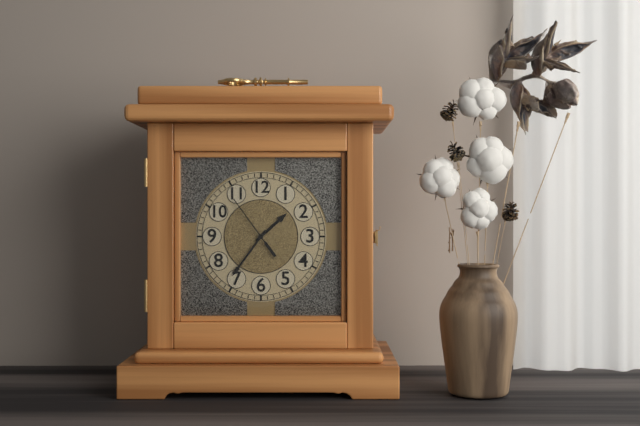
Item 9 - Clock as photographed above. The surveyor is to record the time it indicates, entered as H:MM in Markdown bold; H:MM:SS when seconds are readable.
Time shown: **1:36:54**
